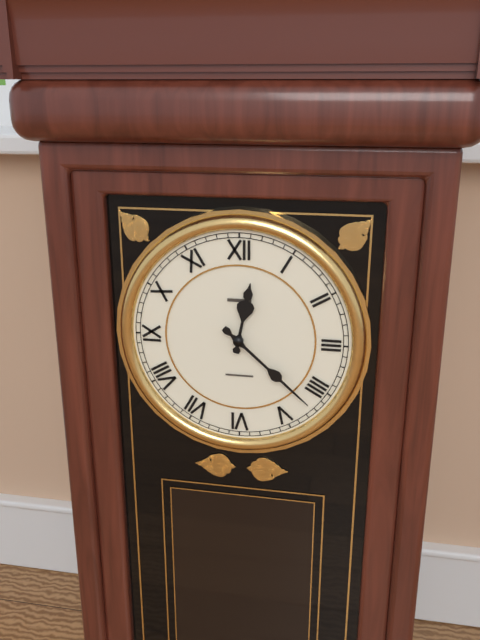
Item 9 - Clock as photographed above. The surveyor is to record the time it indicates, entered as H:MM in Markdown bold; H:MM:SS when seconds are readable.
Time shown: **12:22**
